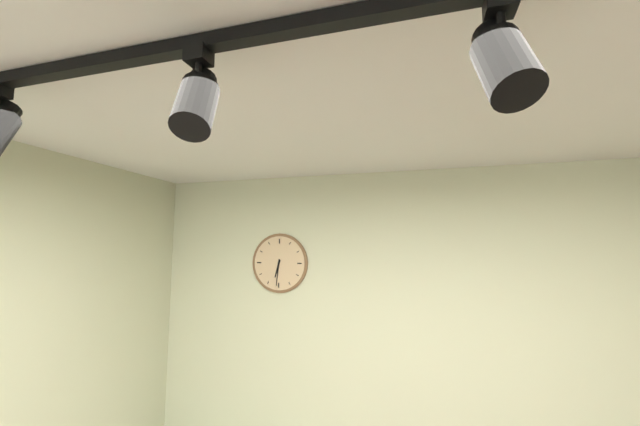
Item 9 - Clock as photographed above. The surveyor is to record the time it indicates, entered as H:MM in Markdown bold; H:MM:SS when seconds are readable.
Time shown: **6:31**
